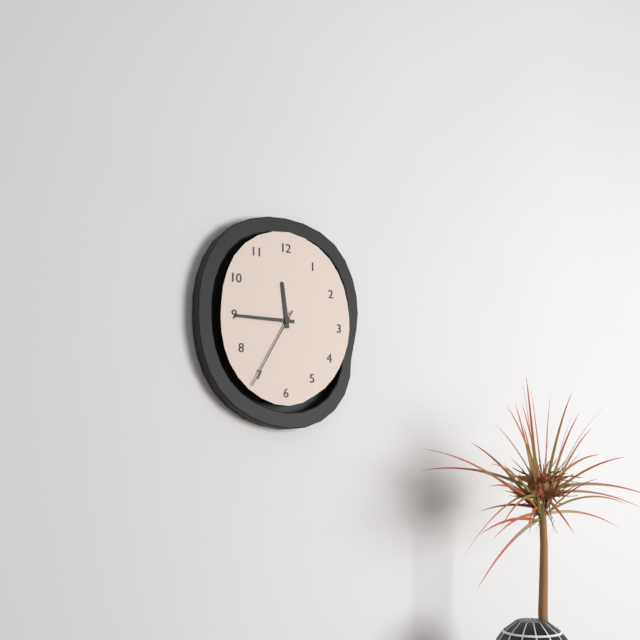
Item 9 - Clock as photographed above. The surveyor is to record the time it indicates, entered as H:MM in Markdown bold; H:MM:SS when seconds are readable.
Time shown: **11:45:35**
